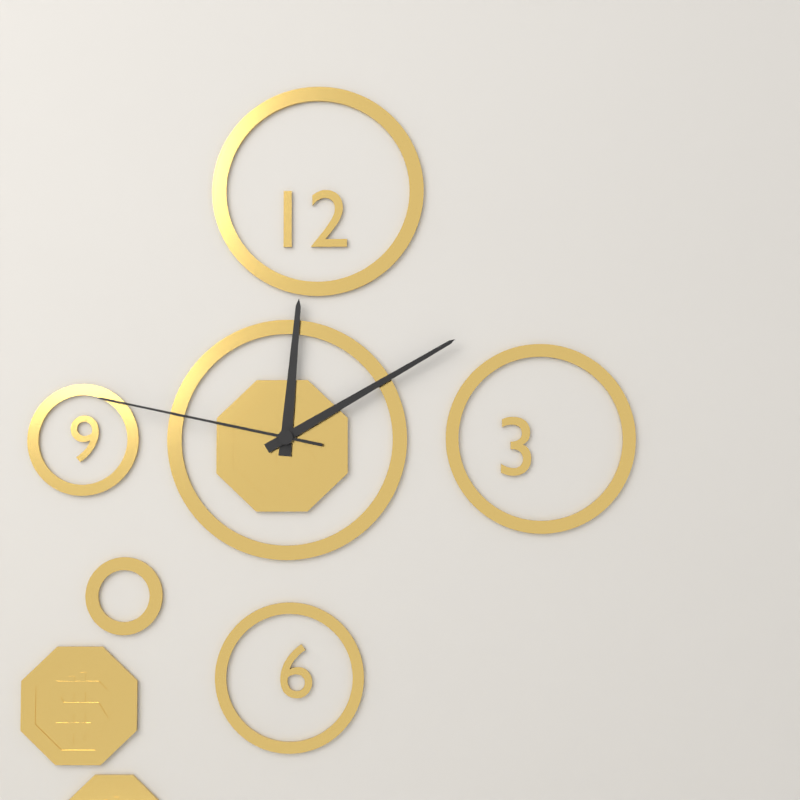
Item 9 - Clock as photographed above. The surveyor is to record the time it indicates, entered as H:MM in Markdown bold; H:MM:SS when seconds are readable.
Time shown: **12:10:47**
